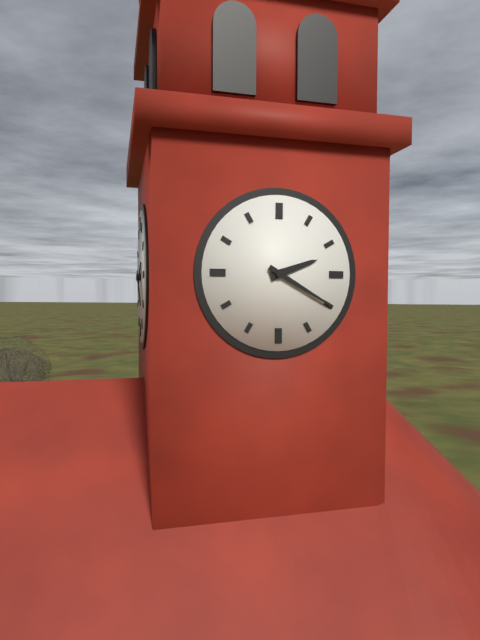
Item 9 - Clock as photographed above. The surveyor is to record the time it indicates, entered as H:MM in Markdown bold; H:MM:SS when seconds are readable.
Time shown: **2:20**
